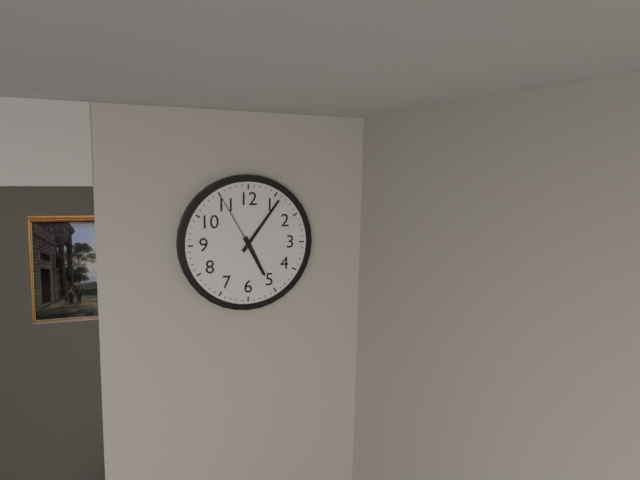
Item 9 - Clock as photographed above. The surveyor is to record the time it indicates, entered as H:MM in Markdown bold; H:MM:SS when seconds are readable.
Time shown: **5:06:55**
